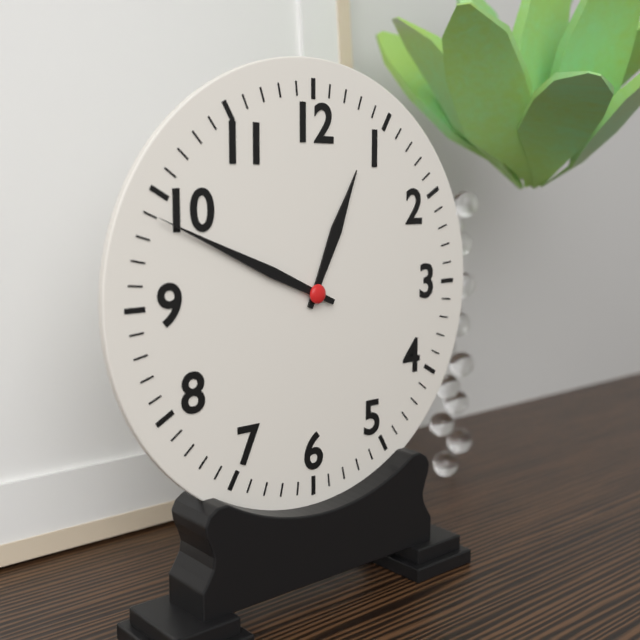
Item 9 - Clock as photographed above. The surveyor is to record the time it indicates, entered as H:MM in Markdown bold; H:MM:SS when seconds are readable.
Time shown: **12:49**
